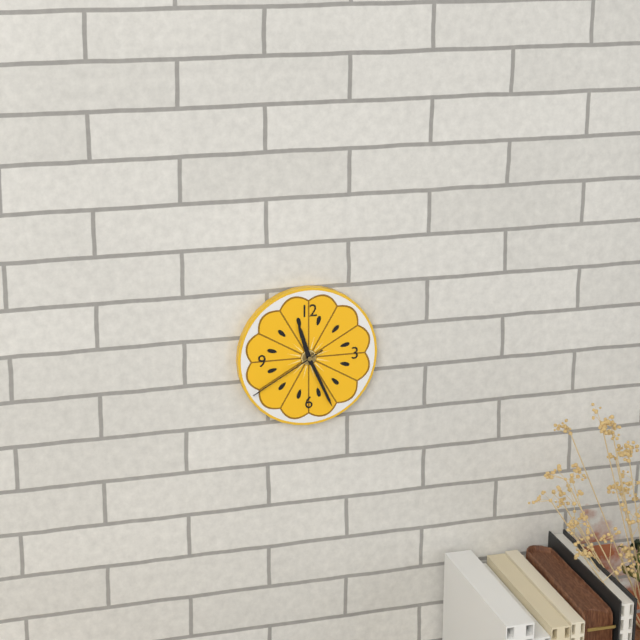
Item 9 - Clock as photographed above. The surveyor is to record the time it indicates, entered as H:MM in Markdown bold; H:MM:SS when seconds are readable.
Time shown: **11:26:40**
